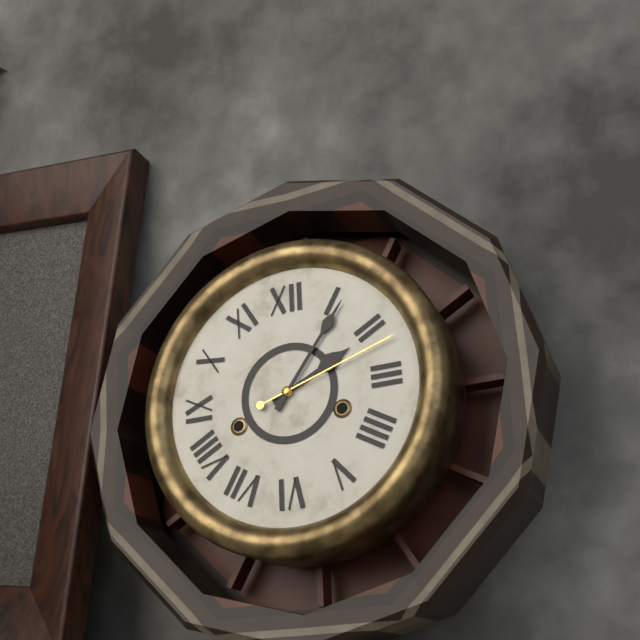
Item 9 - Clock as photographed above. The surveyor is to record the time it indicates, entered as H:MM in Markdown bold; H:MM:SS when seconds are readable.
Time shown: **2:06:12**
